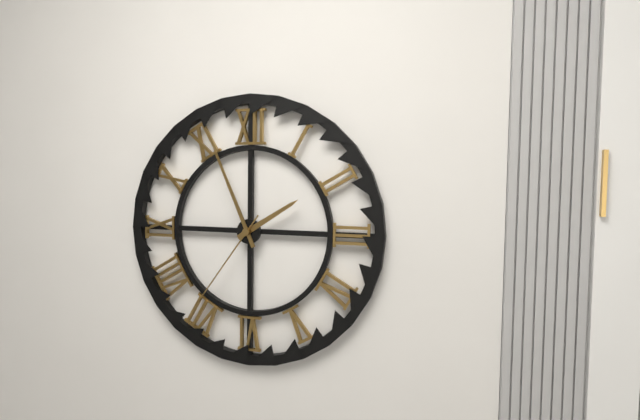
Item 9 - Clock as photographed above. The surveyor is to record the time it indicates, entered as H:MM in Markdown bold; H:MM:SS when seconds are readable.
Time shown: **1:56:36**
